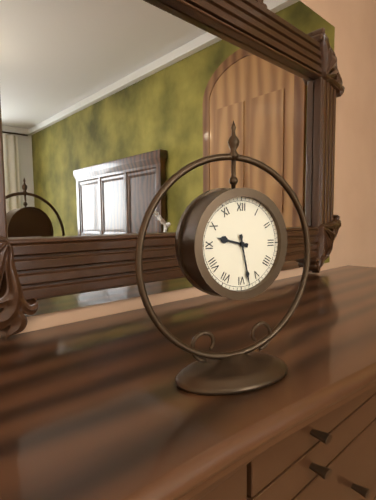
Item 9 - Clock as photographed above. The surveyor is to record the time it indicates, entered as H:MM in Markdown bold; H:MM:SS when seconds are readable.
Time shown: **9:28**
